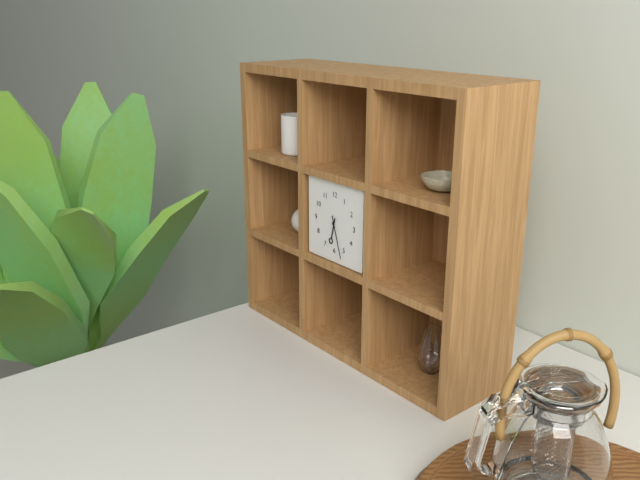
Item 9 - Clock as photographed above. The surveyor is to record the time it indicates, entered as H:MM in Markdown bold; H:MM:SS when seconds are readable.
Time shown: **6:27**
